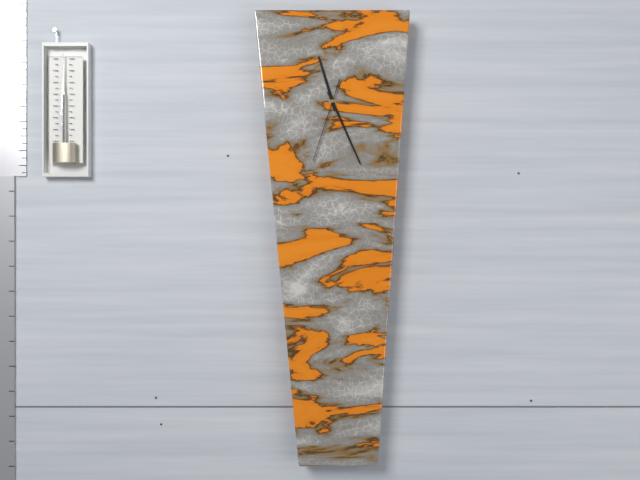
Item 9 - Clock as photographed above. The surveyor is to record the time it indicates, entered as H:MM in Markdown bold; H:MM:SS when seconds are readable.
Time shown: **11:26:33**
